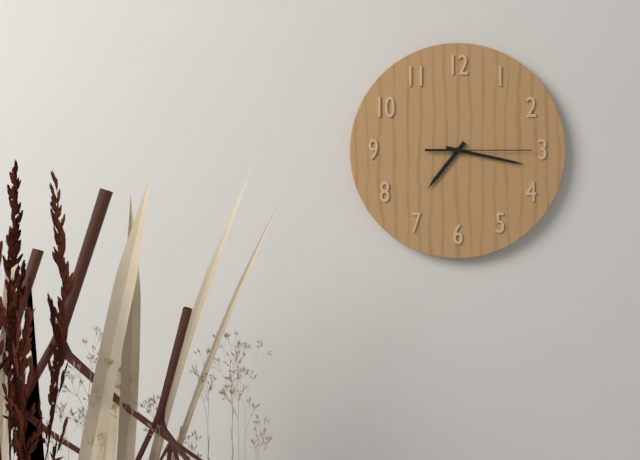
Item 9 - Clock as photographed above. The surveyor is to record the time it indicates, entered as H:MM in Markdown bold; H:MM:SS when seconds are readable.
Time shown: **7:17:15**
